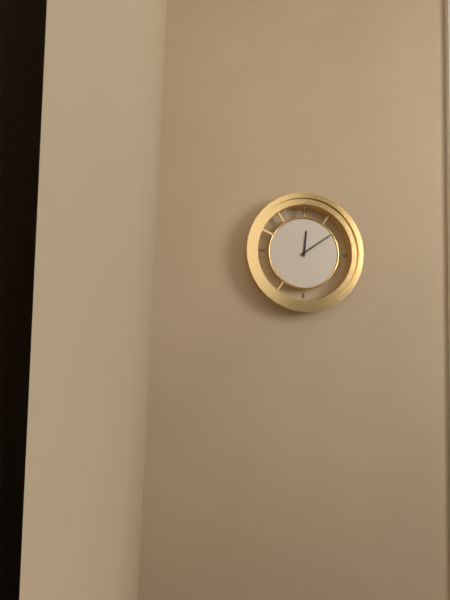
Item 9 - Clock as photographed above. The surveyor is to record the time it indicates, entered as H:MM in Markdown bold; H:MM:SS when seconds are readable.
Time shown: **12:09**
